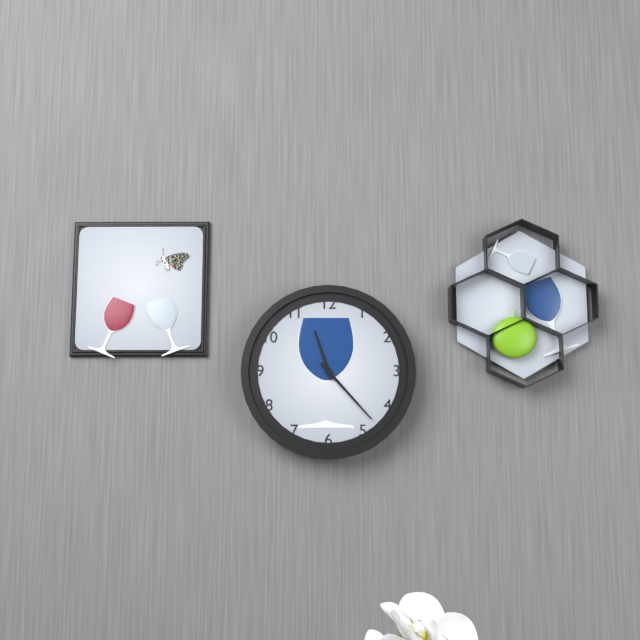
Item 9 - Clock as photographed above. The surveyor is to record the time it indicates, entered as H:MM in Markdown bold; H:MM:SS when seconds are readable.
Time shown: **11:23**
